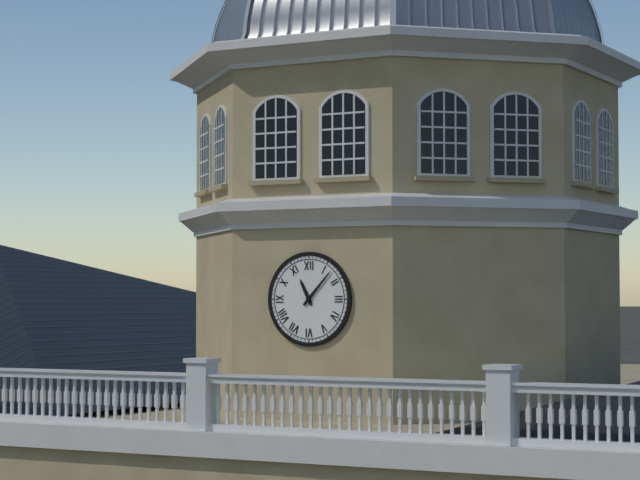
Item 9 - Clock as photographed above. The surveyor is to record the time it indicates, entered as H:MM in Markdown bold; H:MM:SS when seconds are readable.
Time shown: **11:07**
